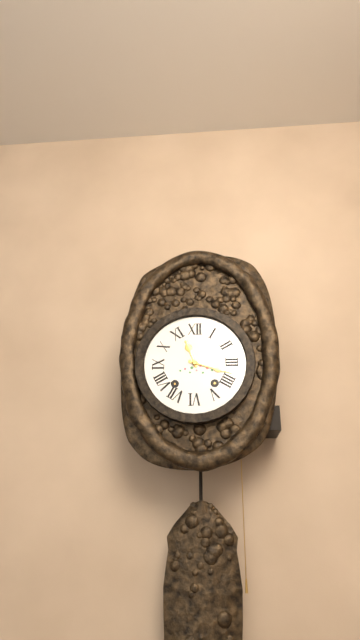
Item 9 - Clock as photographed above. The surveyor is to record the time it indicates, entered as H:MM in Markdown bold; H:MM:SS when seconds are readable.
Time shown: **11:18**
